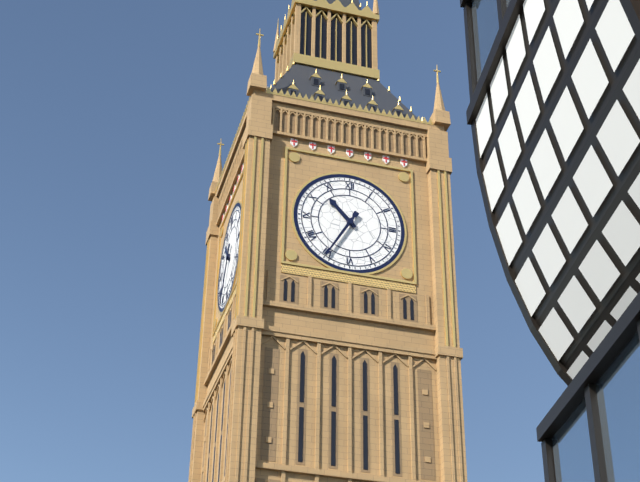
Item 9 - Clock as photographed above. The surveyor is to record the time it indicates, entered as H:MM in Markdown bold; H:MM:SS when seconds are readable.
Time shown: **10:35**
